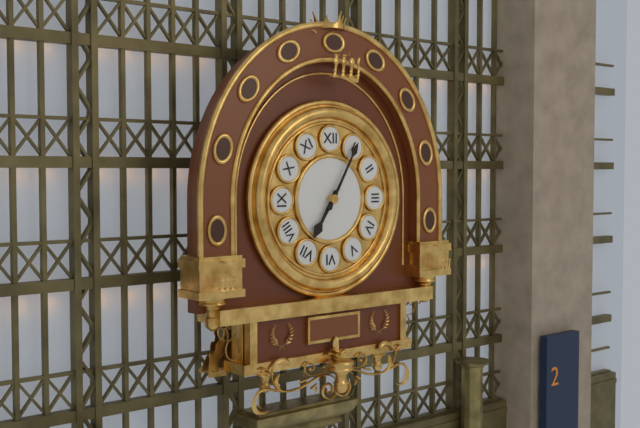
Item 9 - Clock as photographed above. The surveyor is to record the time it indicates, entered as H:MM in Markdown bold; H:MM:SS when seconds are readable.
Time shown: **7:05**
